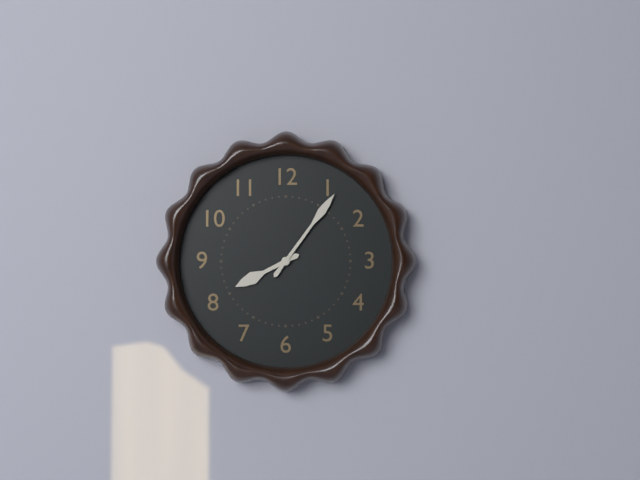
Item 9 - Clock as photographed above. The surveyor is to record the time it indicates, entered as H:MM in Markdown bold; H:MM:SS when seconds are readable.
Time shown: **8:06**
